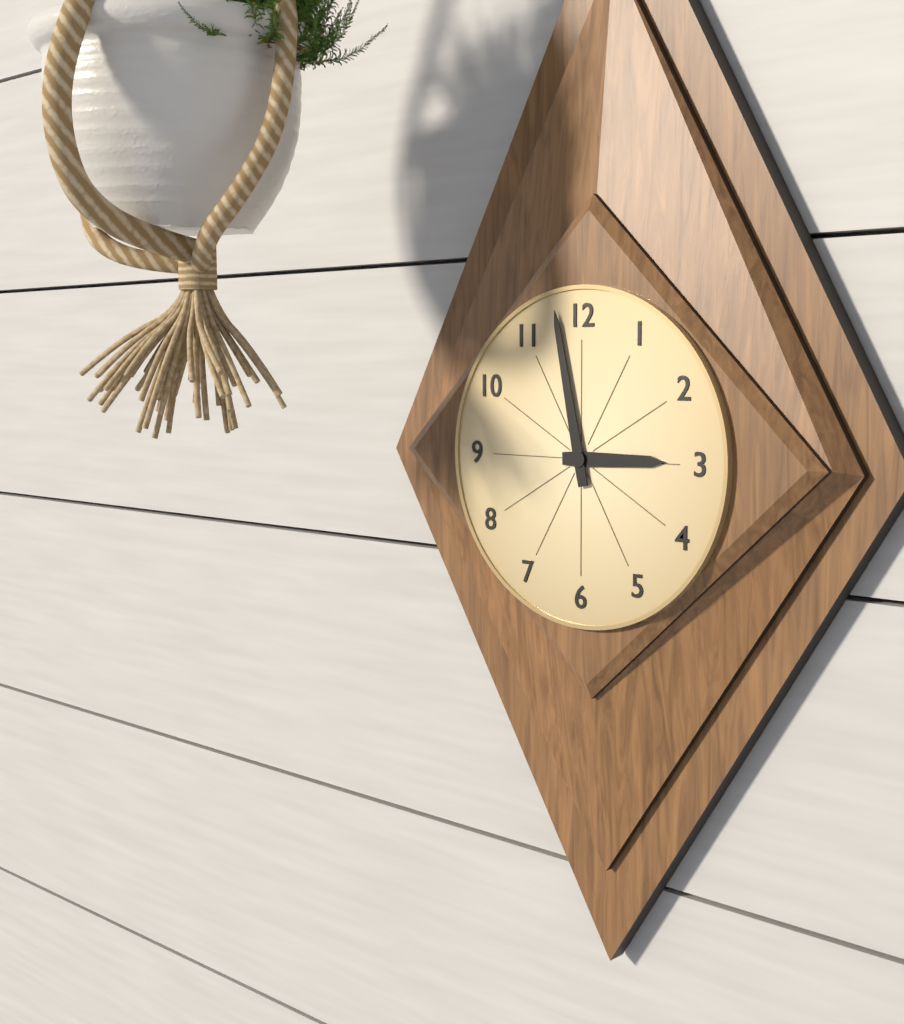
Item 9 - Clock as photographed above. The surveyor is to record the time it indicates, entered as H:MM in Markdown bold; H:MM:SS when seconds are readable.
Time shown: **2:58**
